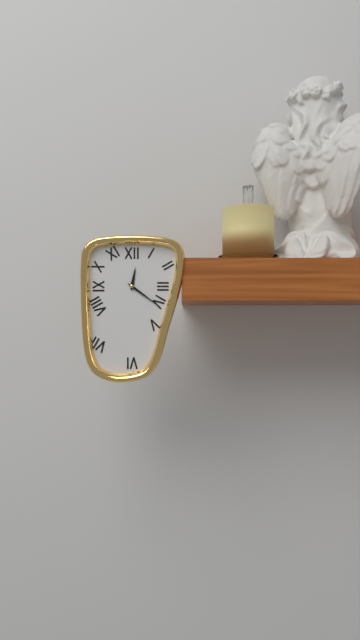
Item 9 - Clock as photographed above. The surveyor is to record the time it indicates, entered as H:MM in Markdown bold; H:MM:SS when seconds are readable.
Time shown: **12:21**
